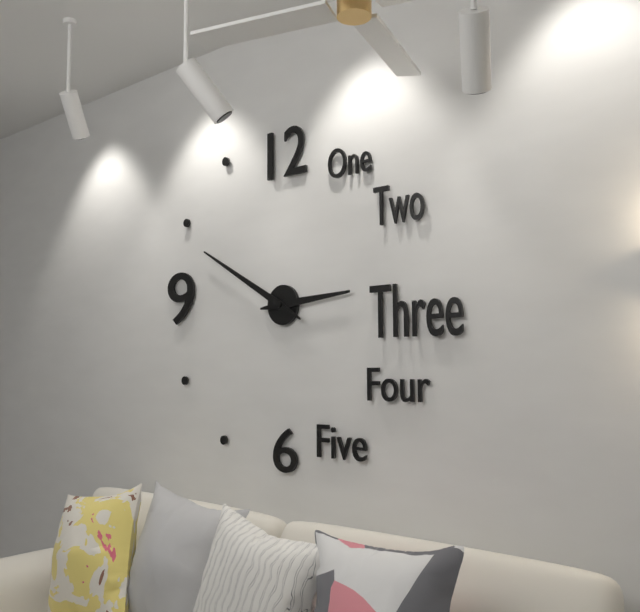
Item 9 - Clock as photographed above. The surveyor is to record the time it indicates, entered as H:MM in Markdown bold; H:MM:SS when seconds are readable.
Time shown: **2:50**
